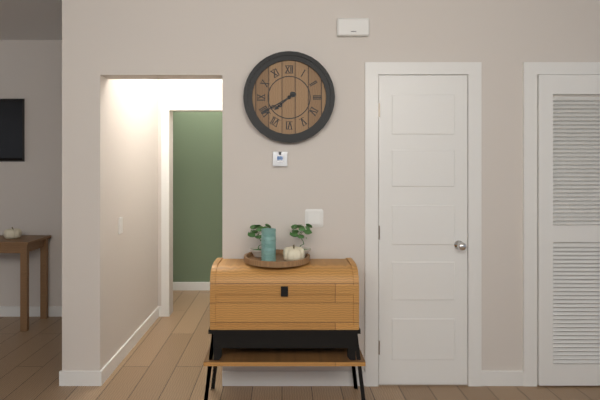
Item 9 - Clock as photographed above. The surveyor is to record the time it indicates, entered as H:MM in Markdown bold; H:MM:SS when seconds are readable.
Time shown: **7:40**
